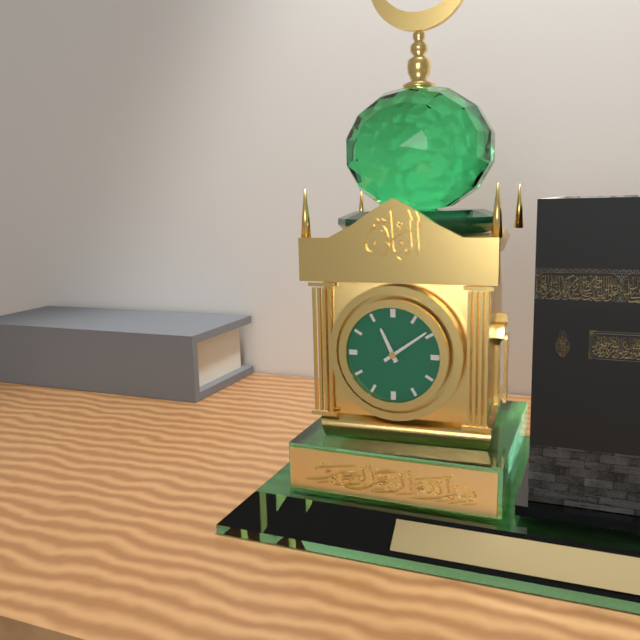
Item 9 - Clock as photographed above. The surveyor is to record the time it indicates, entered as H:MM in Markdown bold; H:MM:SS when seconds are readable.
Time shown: **11:09**
